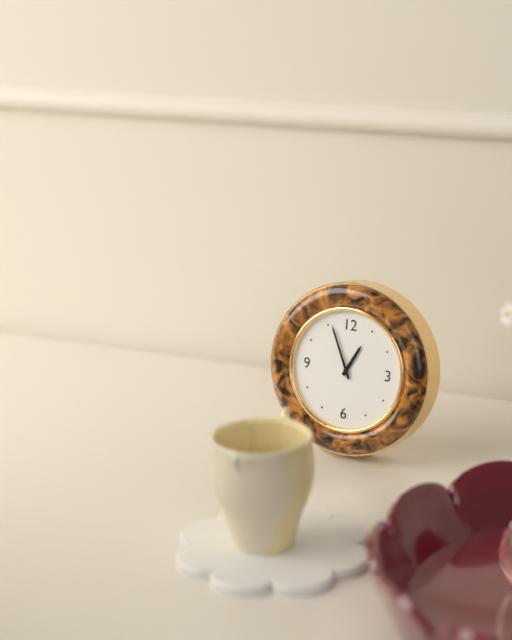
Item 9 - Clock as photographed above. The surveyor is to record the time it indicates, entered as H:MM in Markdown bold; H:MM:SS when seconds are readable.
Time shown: **12:56**
